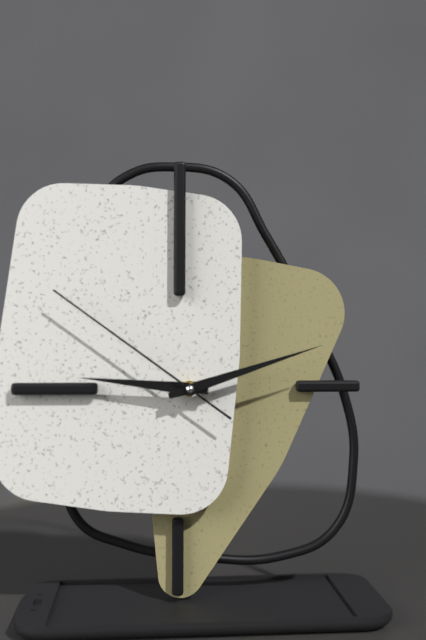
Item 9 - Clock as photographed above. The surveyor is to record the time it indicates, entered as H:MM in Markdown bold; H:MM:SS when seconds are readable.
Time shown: **9:12:51**
